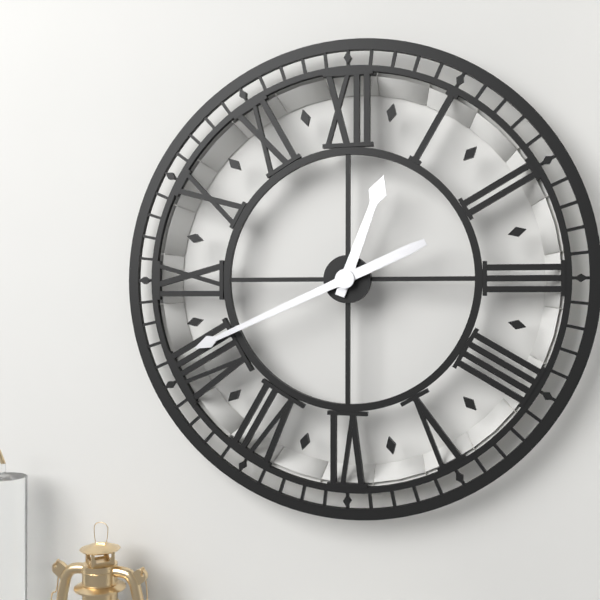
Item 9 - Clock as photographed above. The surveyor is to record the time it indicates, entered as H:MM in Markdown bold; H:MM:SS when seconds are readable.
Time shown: **12:41**
